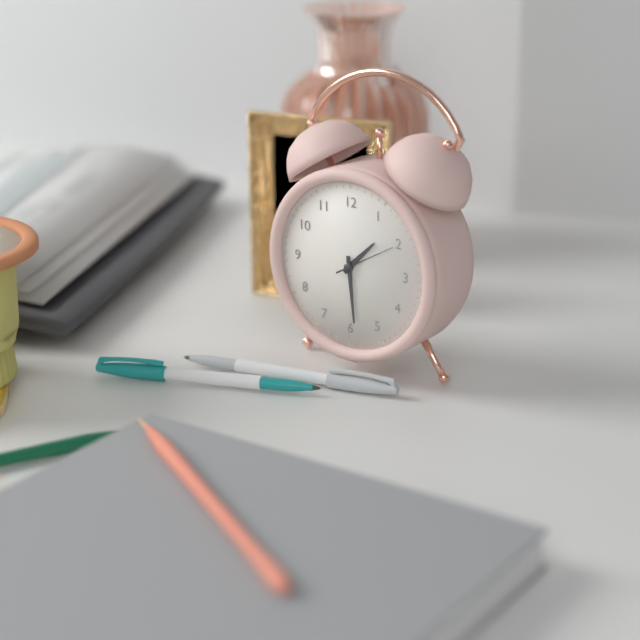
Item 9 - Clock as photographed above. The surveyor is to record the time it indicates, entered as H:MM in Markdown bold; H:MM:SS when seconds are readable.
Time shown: **1:29:10**
